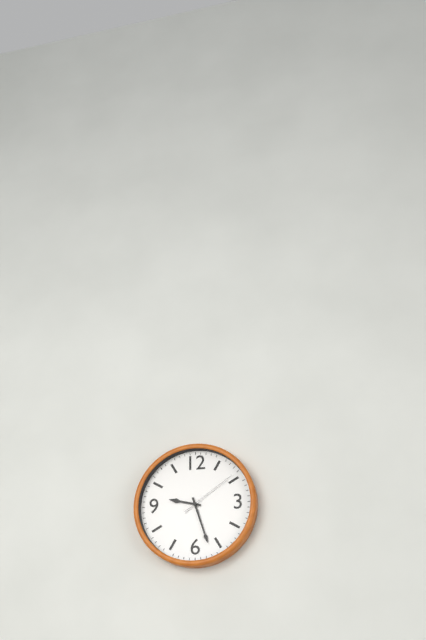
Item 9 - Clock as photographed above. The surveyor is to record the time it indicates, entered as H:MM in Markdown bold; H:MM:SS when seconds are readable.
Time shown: **9:27:09**
